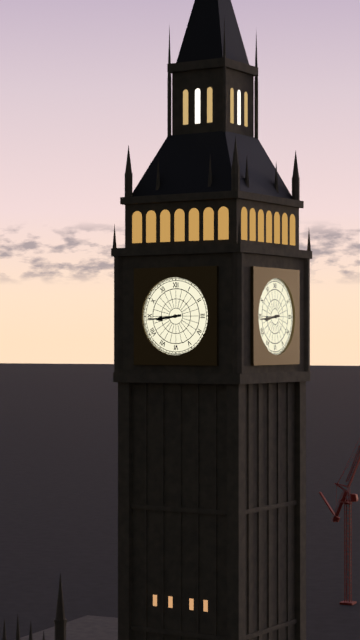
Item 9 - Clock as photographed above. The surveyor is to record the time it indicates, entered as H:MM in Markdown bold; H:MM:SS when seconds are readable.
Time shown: **8:44**
